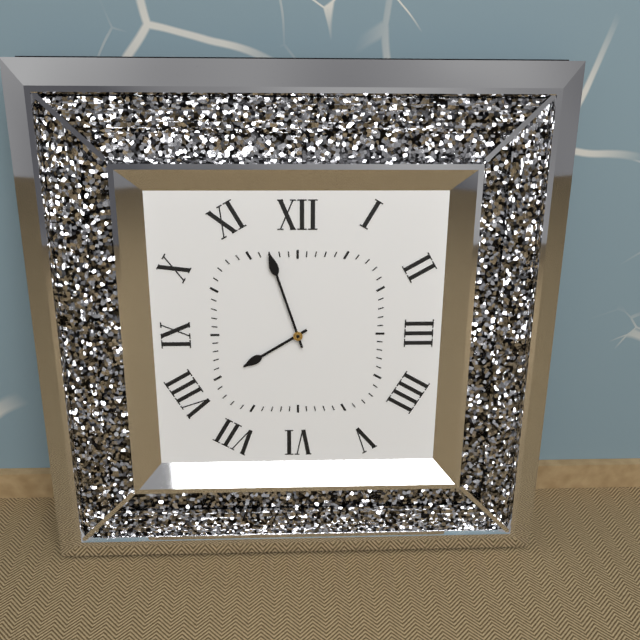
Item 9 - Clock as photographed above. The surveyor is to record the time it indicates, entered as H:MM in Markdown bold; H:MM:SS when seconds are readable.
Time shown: **7:57**
